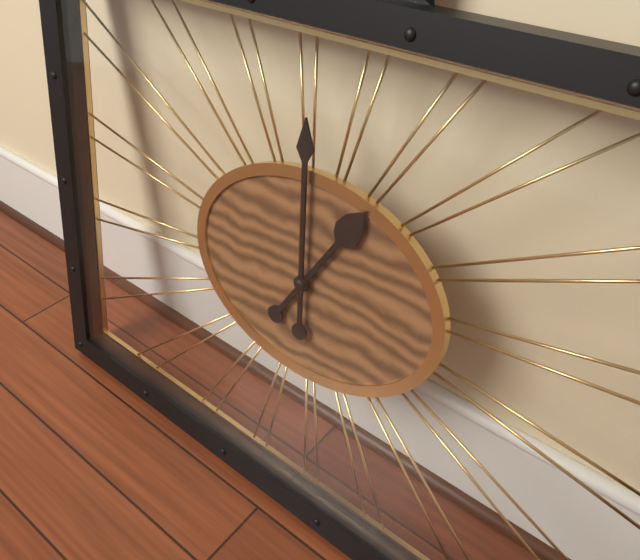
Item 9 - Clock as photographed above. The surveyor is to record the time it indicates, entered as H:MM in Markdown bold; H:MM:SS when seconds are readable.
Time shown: **12:59**
